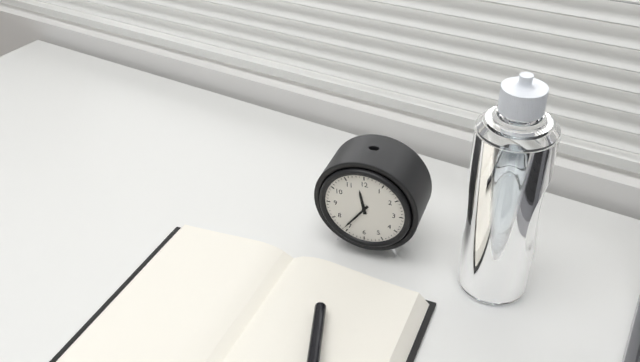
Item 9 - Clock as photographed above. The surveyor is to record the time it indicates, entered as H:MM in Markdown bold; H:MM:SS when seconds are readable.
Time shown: **11:36**
